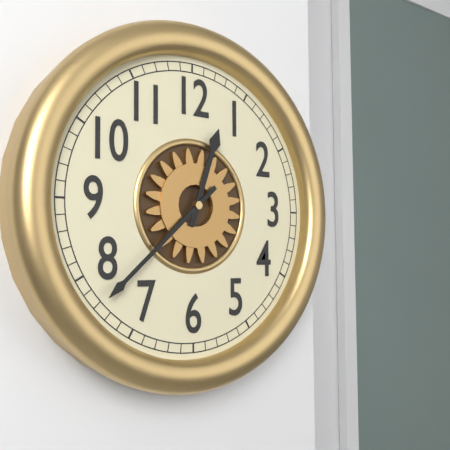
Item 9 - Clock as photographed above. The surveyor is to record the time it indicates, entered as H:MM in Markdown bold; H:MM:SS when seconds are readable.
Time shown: **12:38**
